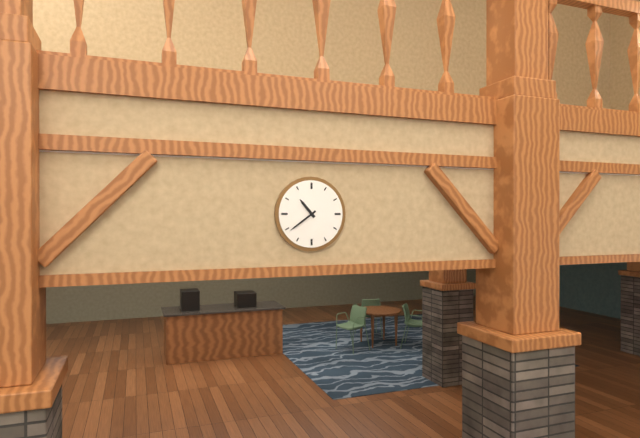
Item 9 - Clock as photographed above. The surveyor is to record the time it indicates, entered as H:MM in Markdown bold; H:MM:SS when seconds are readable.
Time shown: **10:39**
